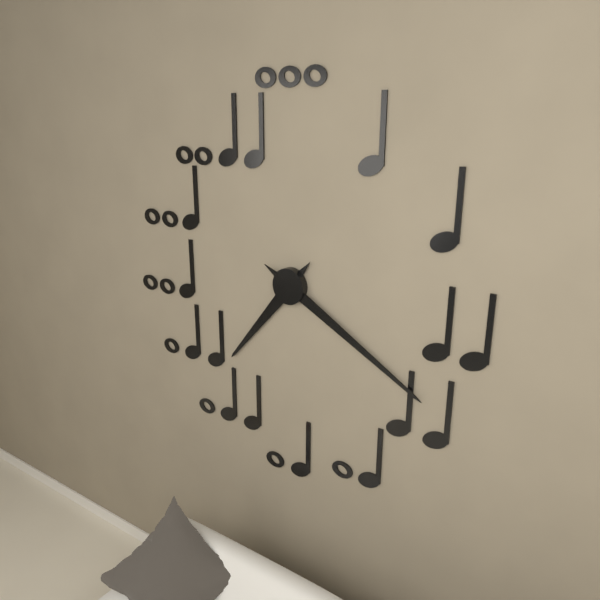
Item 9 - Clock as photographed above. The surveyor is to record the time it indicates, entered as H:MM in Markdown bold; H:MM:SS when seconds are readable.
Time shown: **7:20**
